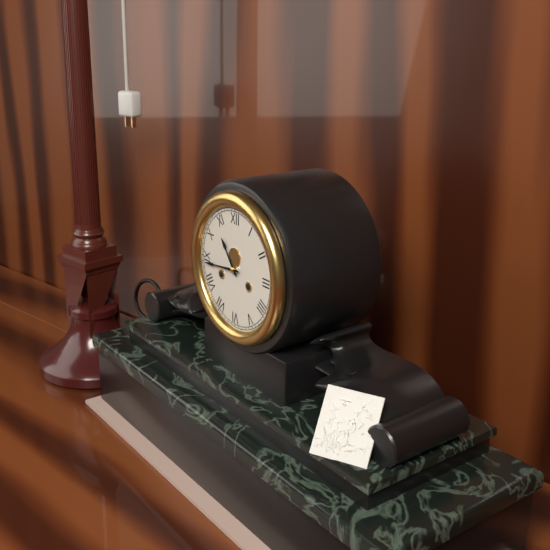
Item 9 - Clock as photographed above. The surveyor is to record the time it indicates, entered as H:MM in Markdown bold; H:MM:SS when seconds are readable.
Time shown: **10:44**
